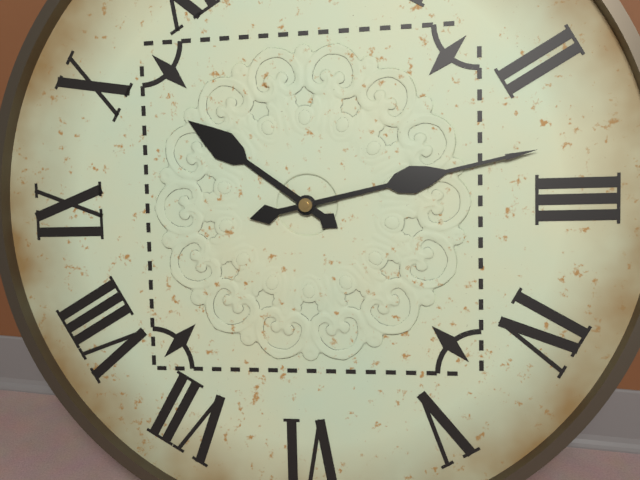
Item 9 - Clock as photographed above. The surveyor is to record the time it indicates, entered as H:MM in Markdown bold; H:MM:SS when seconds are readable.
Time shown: **10:13**
